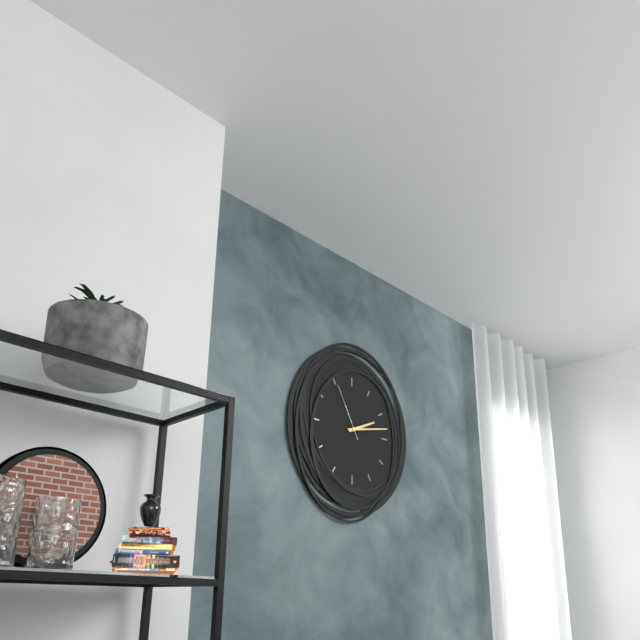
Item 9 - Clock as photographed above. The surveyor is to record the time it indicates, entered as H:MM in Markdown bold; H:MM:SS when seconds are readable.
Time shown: **2:13:55**
